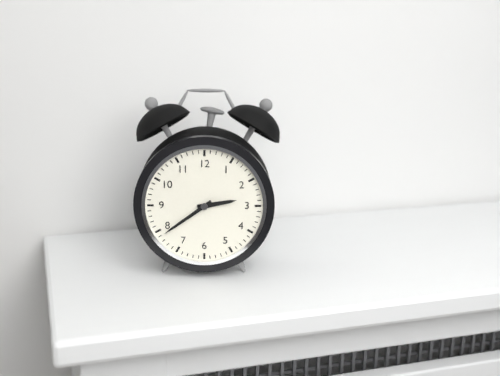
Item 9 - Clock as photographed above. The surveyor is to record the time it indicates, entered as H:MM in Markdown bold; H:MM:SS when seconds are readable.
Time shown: **2:39**
